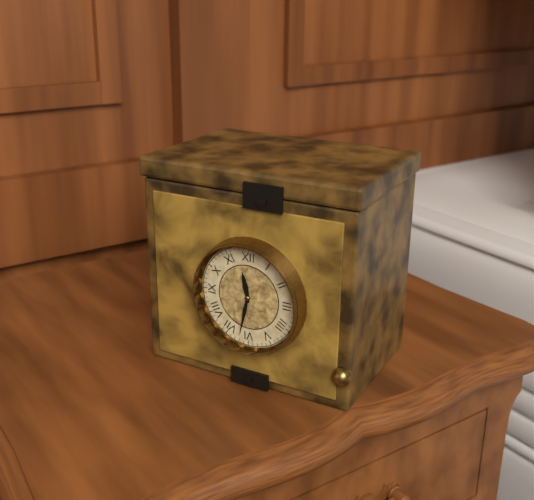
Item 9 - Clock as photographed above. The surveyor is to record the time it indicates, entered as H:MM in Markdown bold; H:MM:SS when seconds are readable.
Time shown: **11:32**
